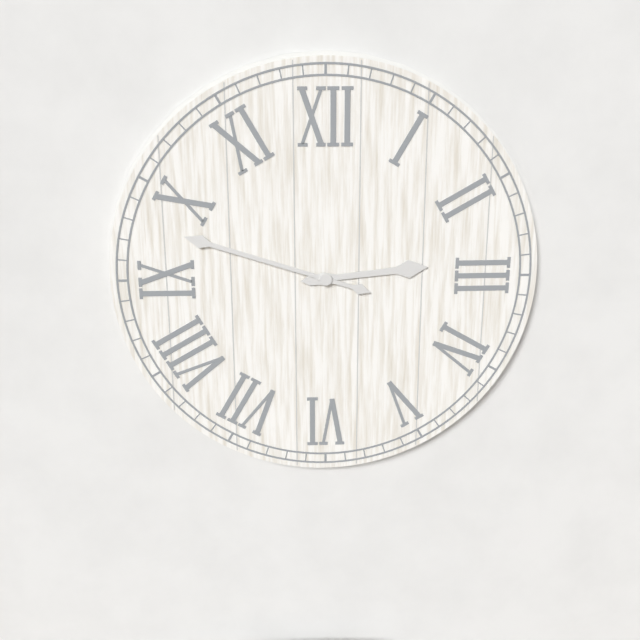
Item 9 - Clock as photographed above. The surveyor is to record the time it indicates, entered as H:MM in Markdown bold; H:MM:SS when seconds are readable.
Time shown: **2:48**
